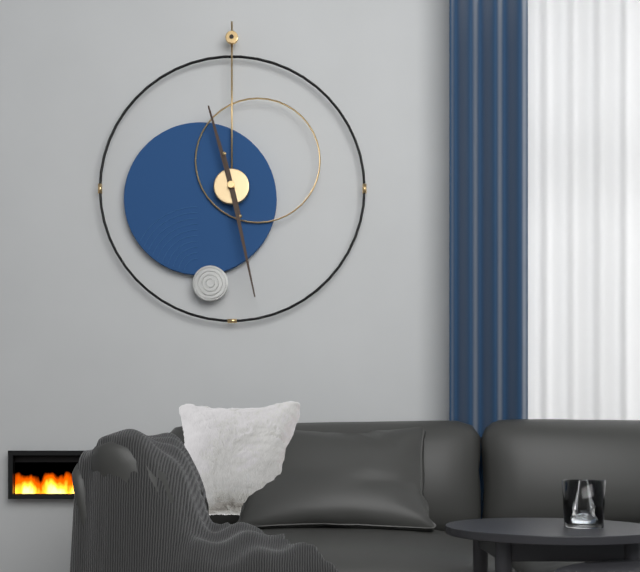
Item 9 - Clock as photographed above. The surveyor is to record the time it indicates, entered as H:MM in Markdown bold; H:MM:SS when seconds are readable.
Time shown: **11:28**
